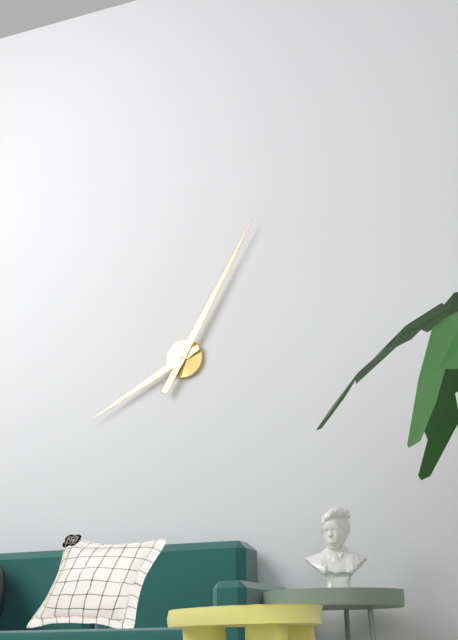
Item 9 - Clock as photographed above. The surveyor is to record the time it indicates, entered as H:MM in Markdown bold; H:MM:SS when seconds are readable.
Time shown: **8:05**
